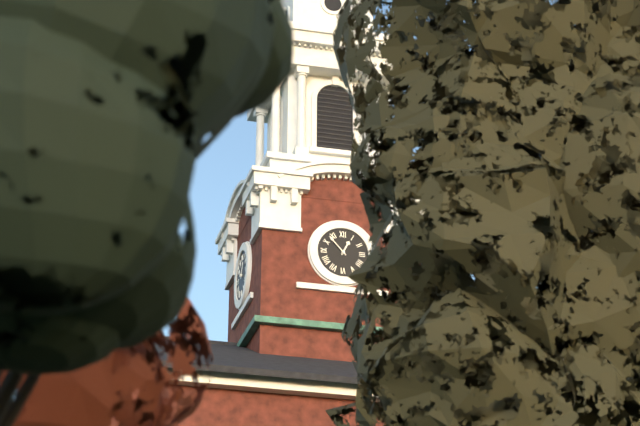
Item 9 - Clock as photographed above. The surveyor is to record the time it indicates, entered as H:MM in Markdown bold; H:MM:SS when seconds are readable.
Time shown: **12:53**
